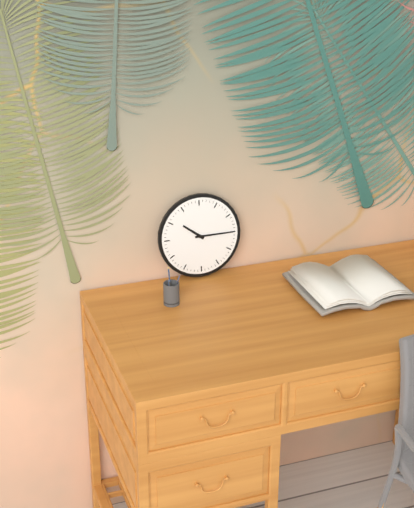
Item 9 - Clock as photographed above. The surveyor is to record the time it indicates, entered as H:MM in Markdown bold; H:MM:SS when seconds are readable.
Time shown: **10:15**
